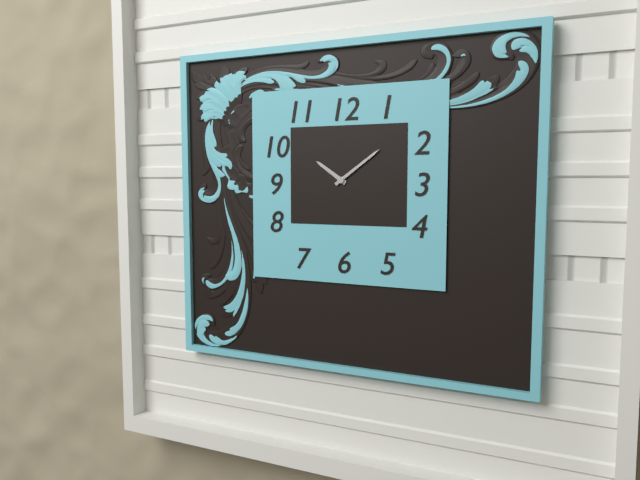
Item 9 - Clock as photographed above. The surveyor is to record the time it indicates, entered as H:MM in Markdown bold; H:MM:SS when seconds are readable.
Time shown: **10:09**
